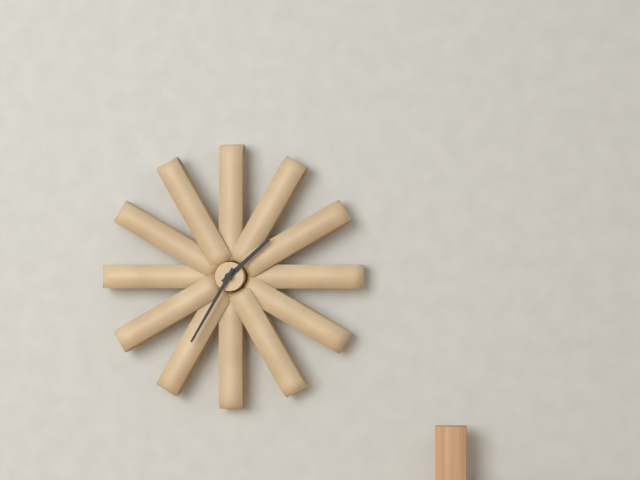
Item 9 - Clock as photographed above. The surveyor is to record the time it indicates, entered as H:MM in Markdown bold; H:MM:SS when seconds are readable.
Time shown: **1:35**
